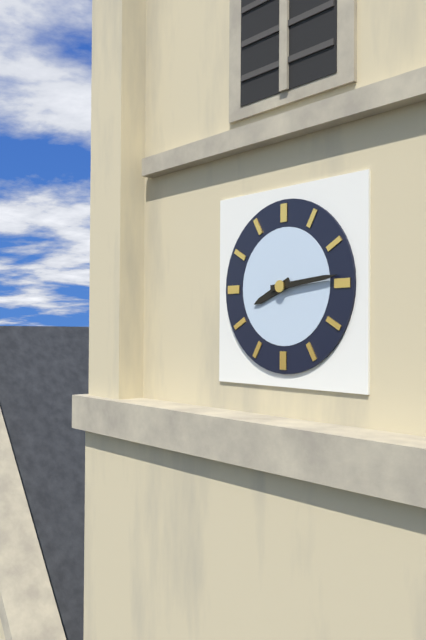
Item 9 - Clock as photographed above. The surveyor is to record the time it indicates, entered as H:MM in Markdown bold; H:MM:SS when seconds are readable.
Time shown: **8:14**
